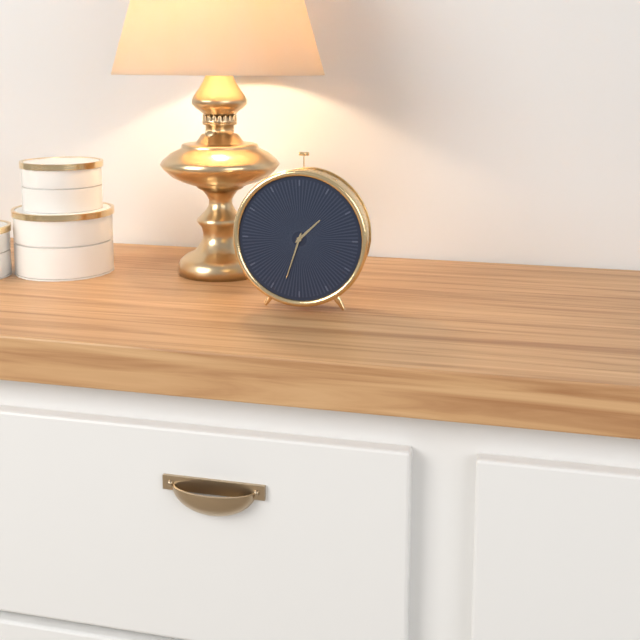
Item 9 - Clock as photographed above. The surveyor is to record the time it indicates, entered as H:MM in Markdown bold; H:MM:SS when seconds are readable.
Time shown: **1:33**
